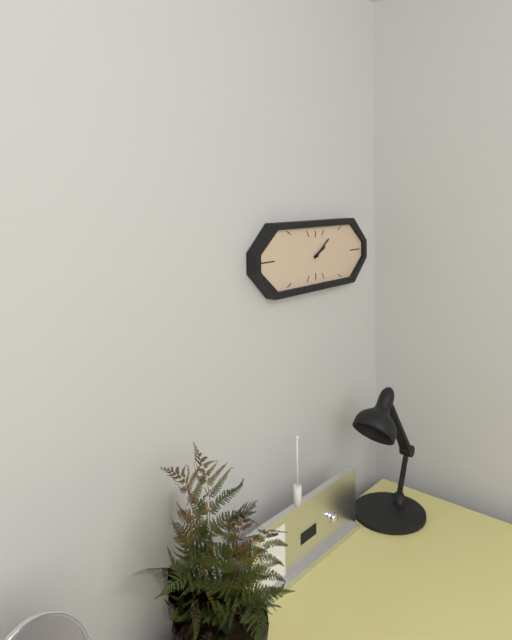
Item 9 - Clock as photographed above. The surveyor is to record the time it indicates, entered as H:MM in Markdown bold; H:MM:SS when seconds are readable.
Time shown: **2:09**
